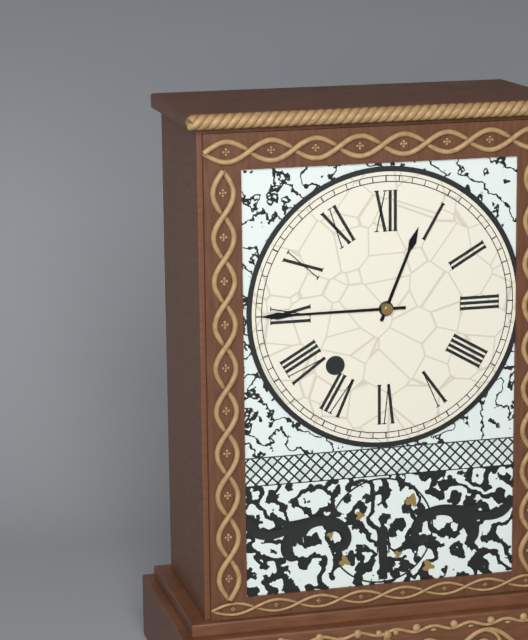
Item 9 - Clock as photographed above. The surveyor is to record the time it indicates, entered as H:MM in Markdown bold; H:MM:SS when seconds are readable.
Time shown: **12:45**
